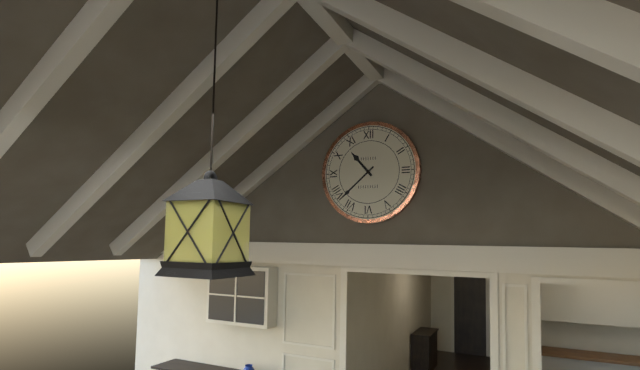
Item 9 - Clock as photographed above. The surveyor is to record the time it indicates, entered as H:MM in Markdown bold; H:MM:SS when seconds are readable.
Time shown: **10:38**
